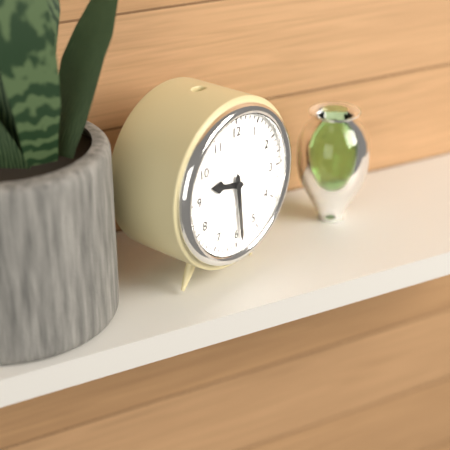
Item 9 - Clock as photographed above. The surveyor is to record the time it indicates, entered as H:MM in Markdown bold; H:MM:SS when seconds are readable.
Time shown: **9:29**
